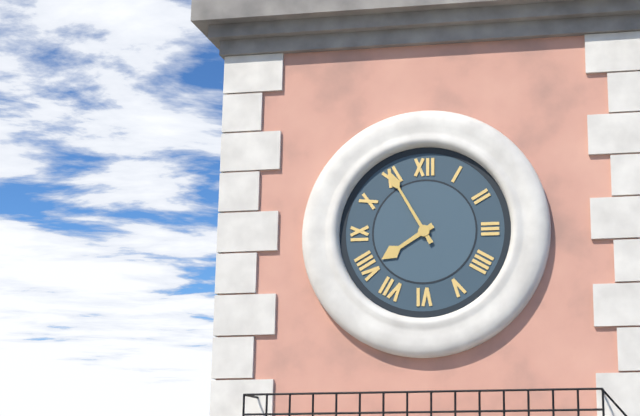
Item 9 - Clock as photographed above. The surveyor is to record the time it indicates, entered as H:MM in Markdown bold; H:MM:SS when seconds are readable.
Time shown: **7:55**
